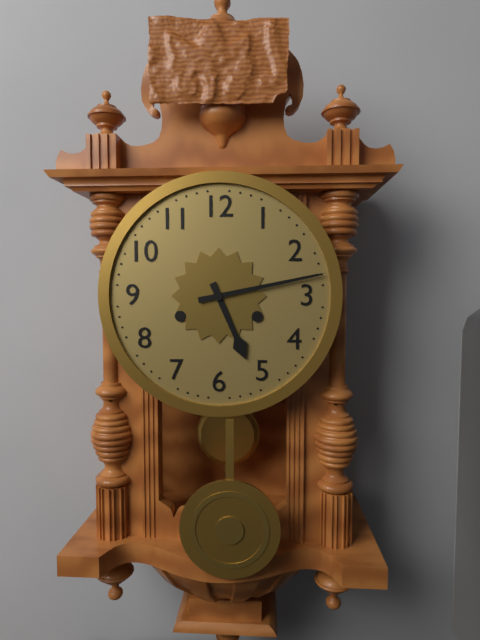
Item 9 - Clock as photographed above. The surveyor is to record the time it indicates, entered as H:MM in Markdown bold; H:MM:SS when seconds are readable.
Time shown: **5:13**
